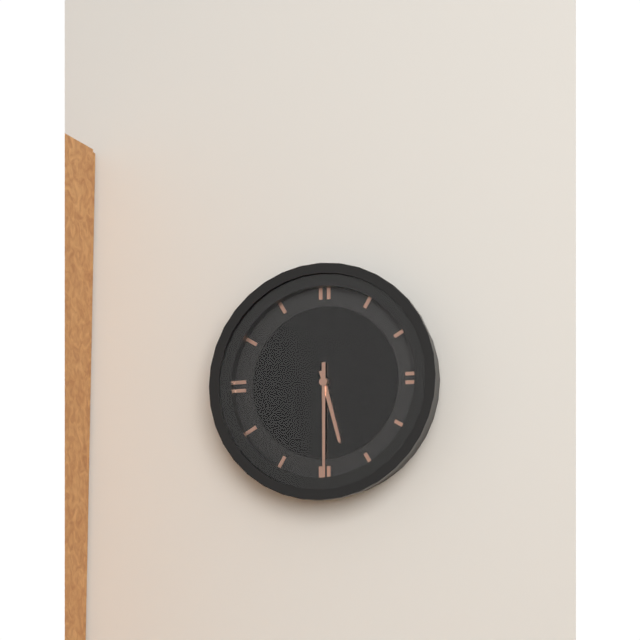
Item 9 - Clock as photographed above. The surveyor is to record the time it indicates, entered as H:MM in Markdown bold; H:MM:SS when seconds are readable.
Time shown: **5:30**
